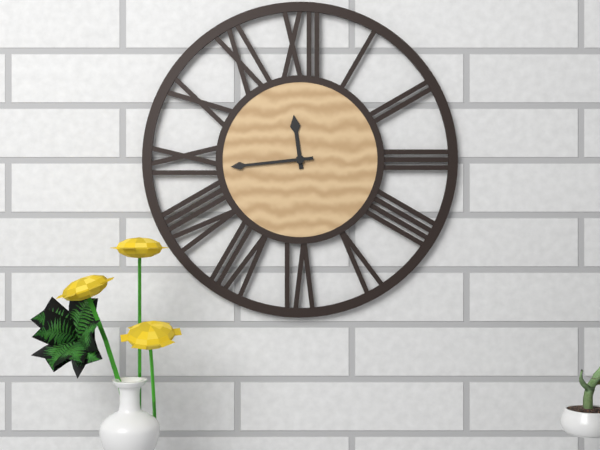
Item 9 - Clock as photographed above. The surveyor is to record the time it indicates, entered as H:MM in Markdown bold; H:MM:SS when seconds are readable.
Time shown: **11:44**
